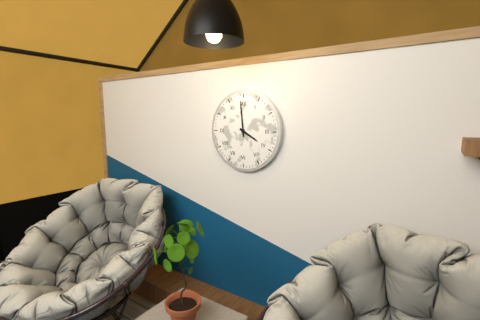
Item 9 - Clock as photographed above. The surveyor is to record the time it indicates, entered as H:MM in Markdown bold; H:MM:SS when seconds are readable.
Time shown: **3:59**
